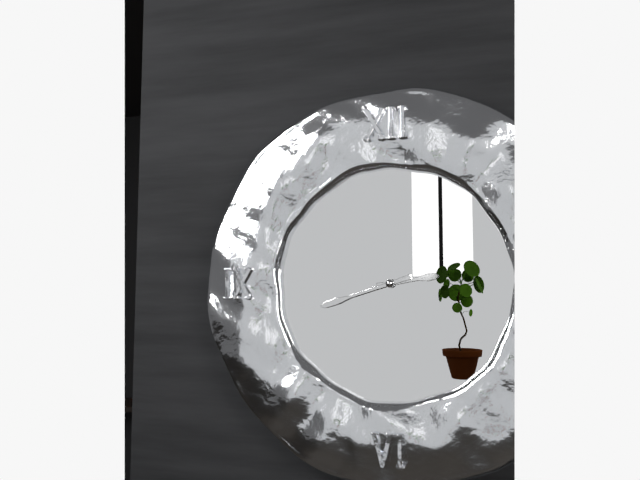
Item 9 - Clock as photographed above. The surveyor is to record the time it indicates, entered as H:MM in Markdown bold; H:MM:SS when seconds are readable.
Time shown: **2:42**
